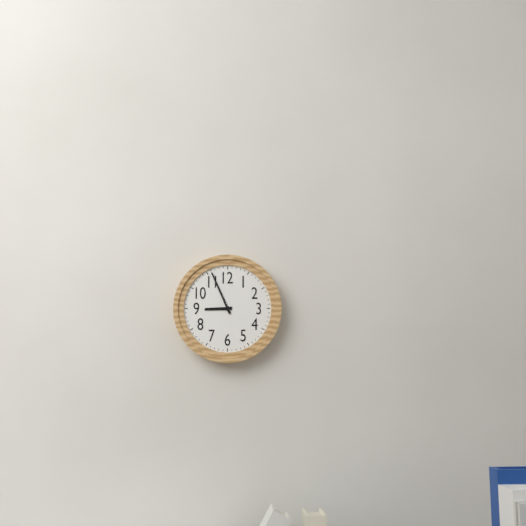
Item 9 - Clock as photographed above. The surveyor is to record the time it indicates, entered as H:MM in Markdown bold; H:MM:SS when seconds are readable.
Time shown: **8:56**
